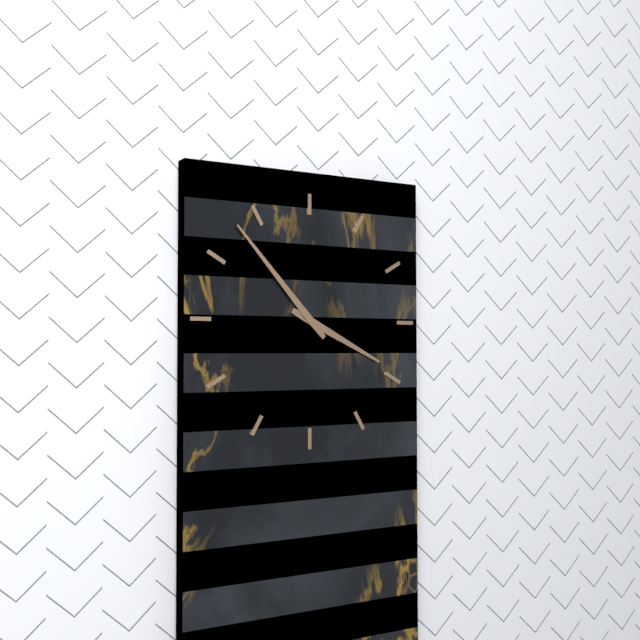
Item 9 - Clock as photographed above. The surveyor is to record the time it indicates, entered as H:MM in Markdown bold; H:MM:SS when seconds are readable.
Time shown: **3:53**
